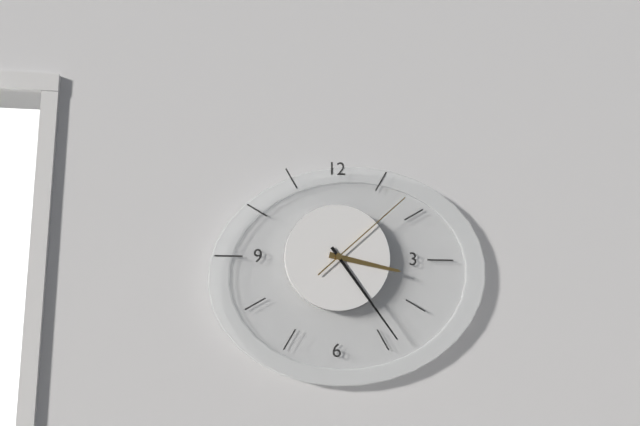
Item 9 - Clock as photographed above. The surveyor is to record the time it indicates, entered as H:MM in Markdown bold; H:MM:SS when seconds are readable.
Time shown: **3:24:08**
